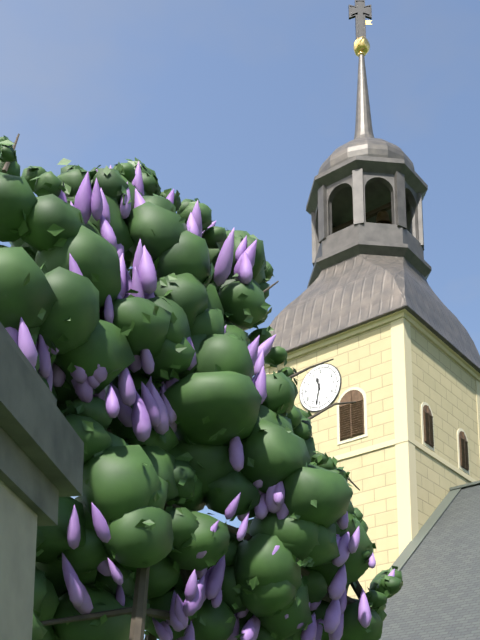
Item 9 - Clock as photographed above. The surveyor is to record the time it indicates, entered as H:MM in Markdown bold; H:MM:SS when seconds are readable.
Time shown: **11:32**
